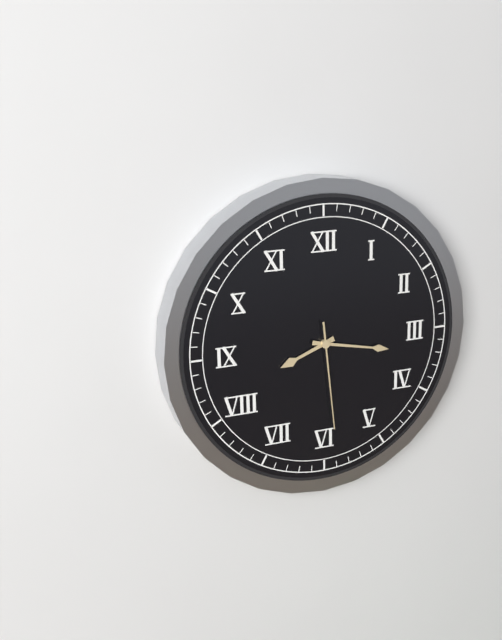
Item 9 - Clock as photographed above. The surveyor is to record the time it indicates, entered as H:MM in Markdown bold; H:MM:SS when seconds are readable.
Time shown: **8:17:29**
